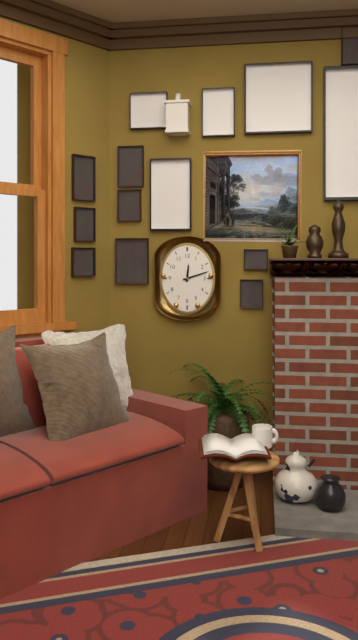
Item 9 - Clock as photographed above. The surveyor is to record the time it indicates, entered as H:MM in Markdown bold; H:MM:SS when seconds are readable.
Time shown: **12:12**
